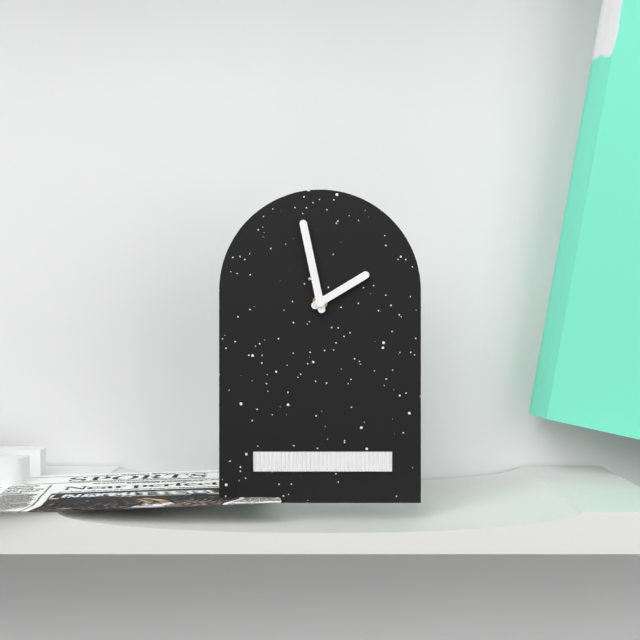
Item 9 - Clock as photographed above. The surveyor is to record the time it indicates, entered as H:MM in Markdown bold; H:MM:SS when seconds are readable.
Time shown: **1:58**
